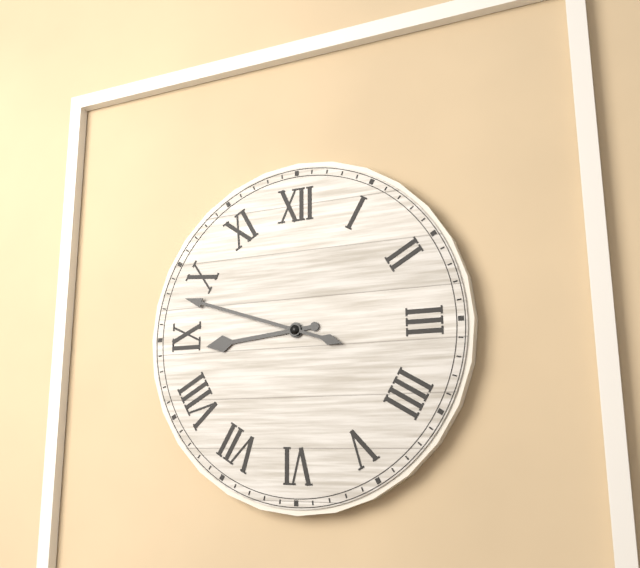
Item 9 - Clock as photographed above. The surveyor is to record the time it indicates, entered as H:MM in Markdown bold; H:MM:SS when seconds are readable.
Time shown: **8:48**
